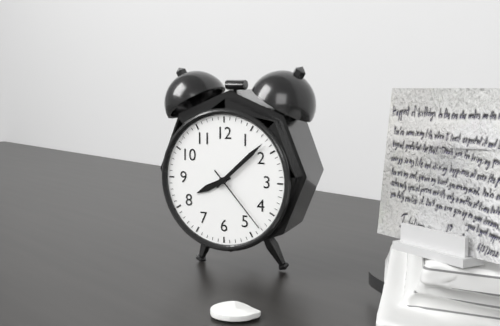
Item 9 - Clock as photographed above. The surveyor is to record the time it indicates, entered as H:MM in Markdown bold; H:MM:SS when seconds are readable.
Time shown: **8:08:23**
